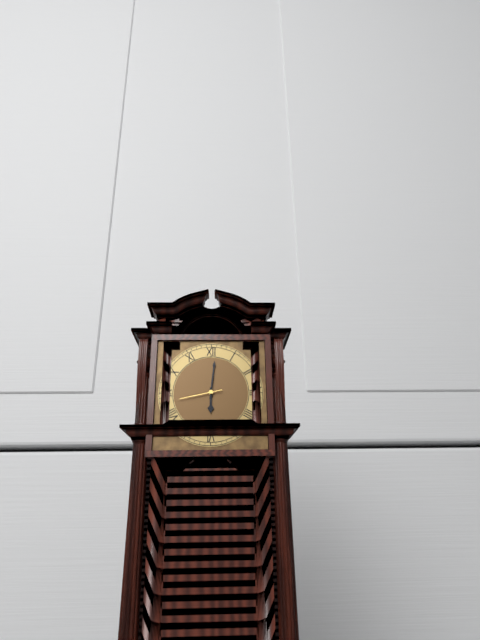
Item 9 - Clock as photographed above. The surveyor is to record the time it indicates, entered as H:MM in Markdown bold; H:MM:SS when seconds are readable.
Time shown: **6:01**
